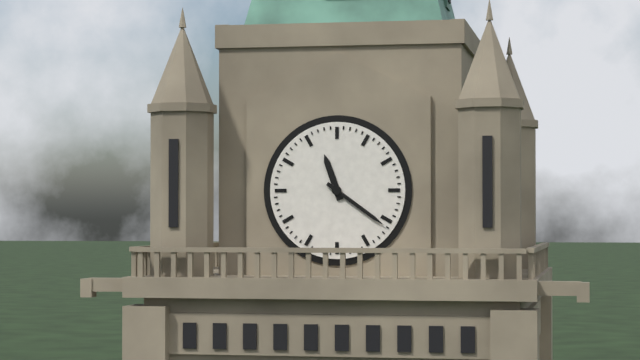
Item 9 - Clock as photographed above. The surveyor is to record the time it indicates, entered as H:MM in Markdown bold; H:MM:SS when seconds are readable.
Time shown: **11:21**
